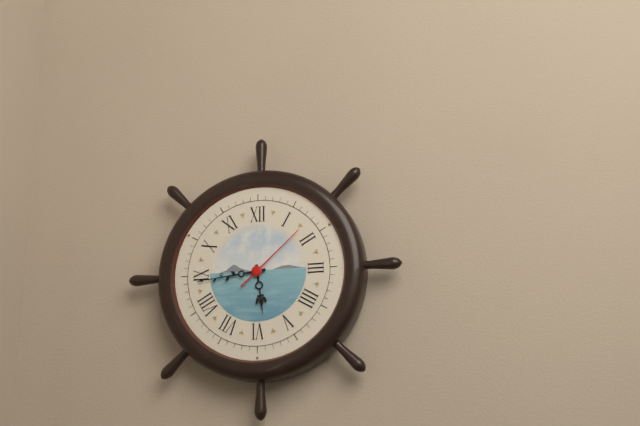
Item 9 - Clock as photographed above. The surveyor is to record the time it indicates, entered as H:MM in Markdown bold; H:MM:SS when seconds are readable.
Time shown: **5:44:08**
